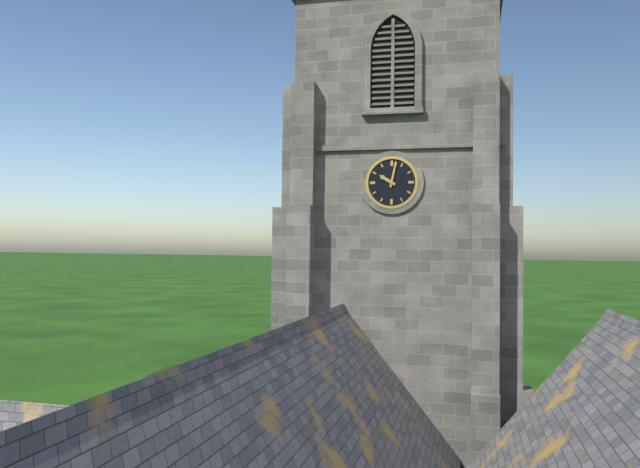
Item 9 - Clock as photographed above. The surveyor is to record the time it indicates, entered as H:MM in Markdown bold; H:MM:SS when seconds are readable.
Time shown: **10:02**
